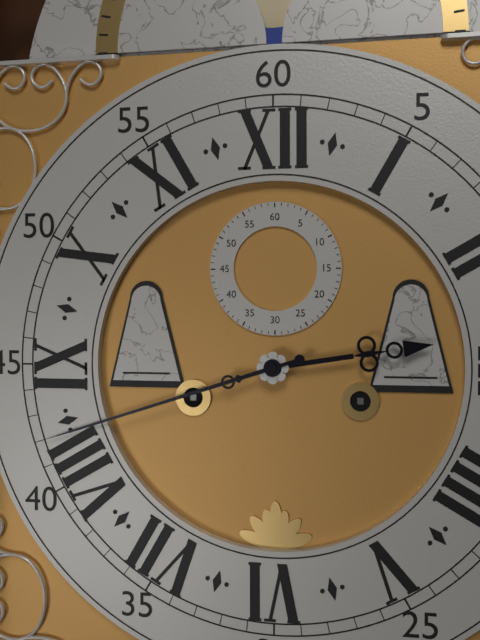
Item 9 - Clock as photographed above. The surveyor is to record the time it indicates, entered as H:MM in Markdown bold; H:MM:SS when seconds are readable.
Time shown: **2:42**
